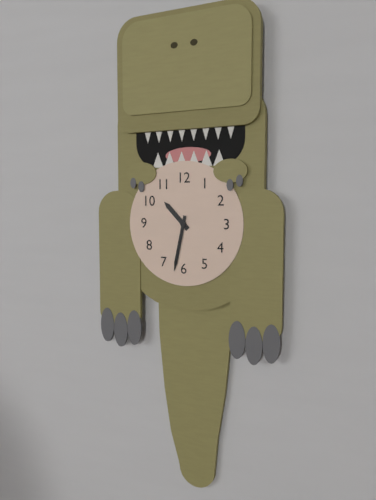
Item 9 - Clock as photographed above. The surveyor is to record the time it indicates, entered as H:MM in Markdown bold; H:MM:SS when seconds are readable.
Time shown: **10:32**
